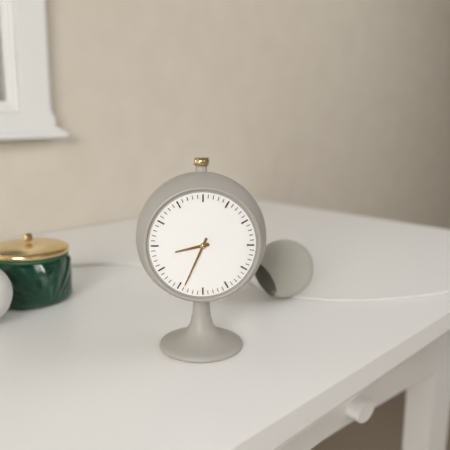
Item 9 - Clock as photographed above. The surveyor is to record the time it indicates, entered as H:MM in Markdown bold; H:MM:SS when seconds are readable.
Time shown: **8:34**
